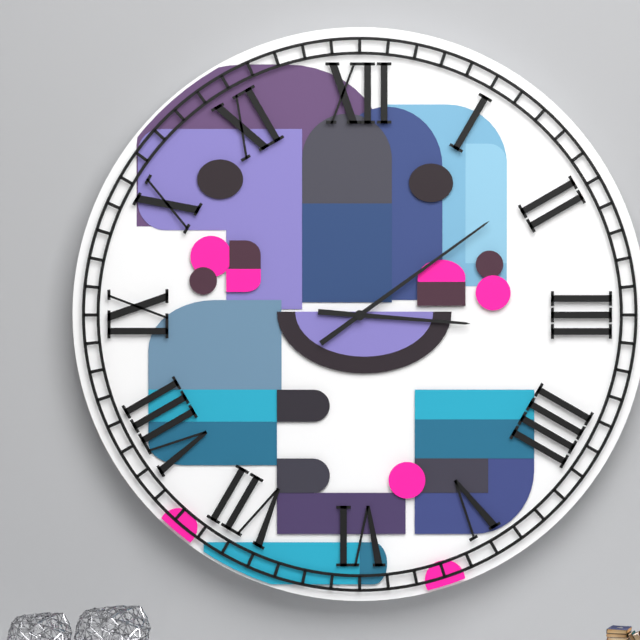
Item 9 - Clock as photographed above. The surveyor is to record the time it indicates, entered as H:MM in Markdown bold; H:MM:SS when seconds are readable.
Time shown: **3:09**
